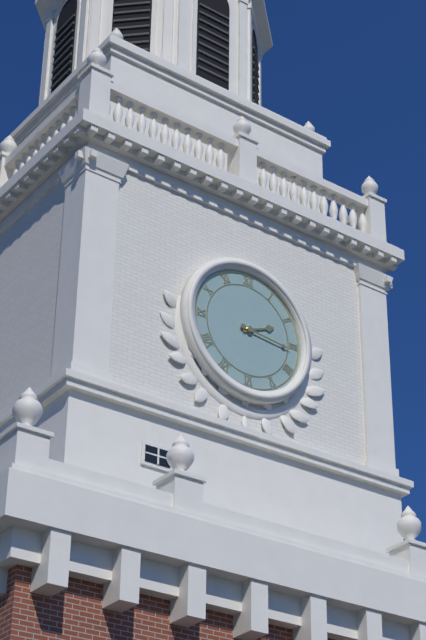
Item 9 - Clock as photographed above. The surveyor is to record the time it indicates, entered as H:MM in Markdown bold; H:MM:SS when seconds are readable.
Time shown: **2:16**
